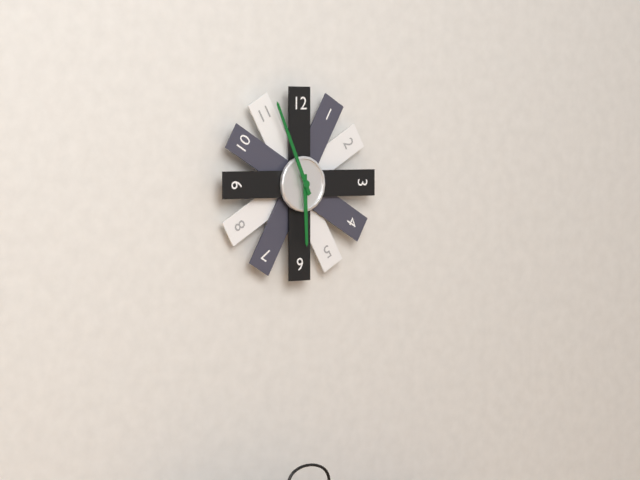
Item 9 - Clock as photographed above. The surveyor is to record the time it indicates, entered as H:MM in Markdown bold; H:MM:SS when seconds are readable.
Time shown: **5:56**
